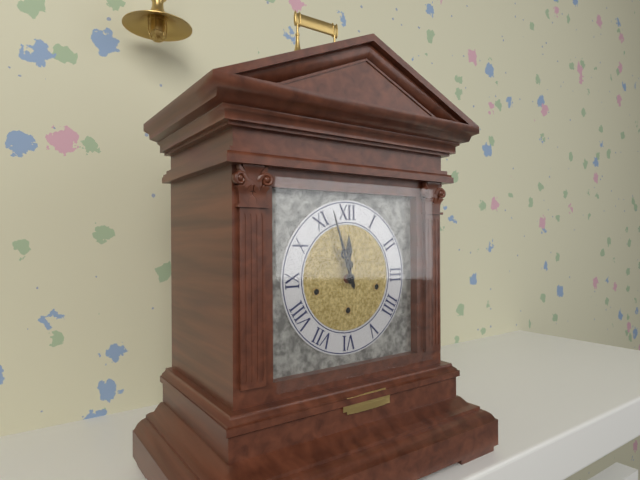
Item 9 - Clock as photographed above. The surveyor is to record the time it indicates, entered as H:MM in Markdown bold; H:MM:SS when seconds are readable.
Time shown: **11:57**
